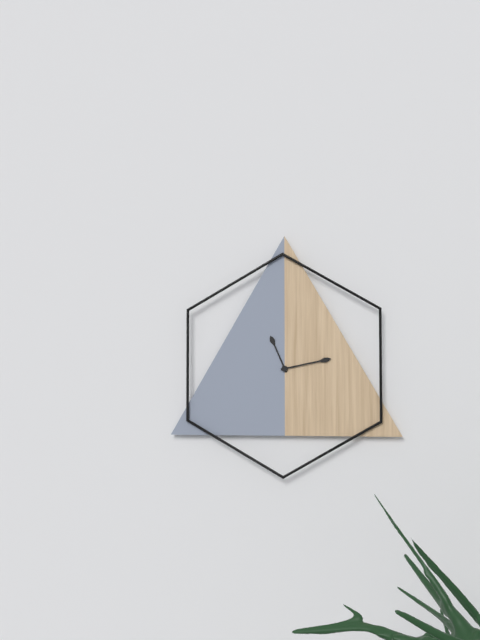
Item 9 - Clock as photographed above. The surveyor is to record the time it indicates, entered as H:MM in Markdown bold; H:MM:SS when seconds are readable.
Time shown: **11:13**
